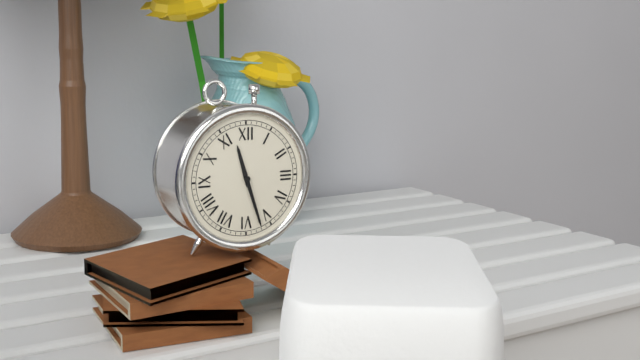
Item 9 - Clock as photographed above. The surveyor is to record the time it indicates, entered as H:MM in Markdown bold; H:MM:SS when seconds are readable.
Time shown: **11:27**
